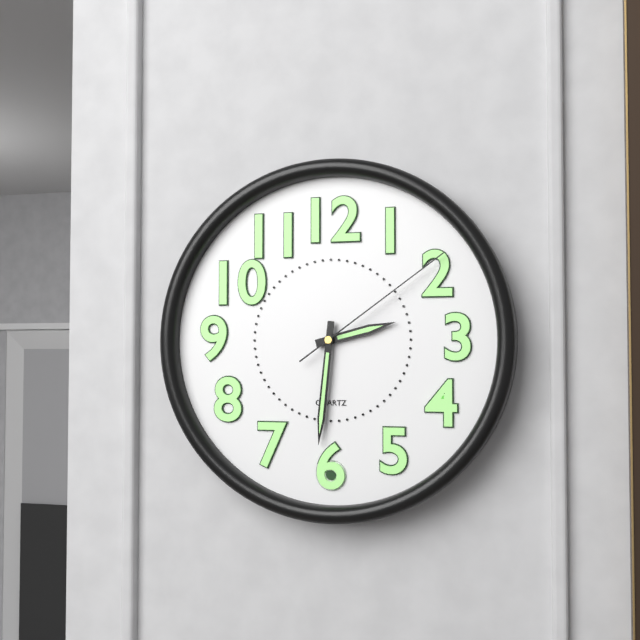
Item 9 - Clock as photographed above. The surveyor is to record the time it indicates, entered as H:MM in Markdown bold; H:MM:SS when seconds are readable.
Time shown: **2:31:09**
